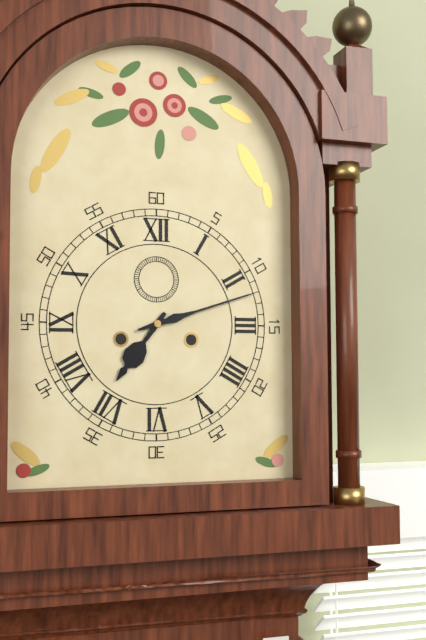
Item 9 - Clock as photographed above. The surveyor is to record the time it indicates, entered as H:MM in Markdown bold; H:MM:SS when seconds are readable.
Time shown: **7:12**
